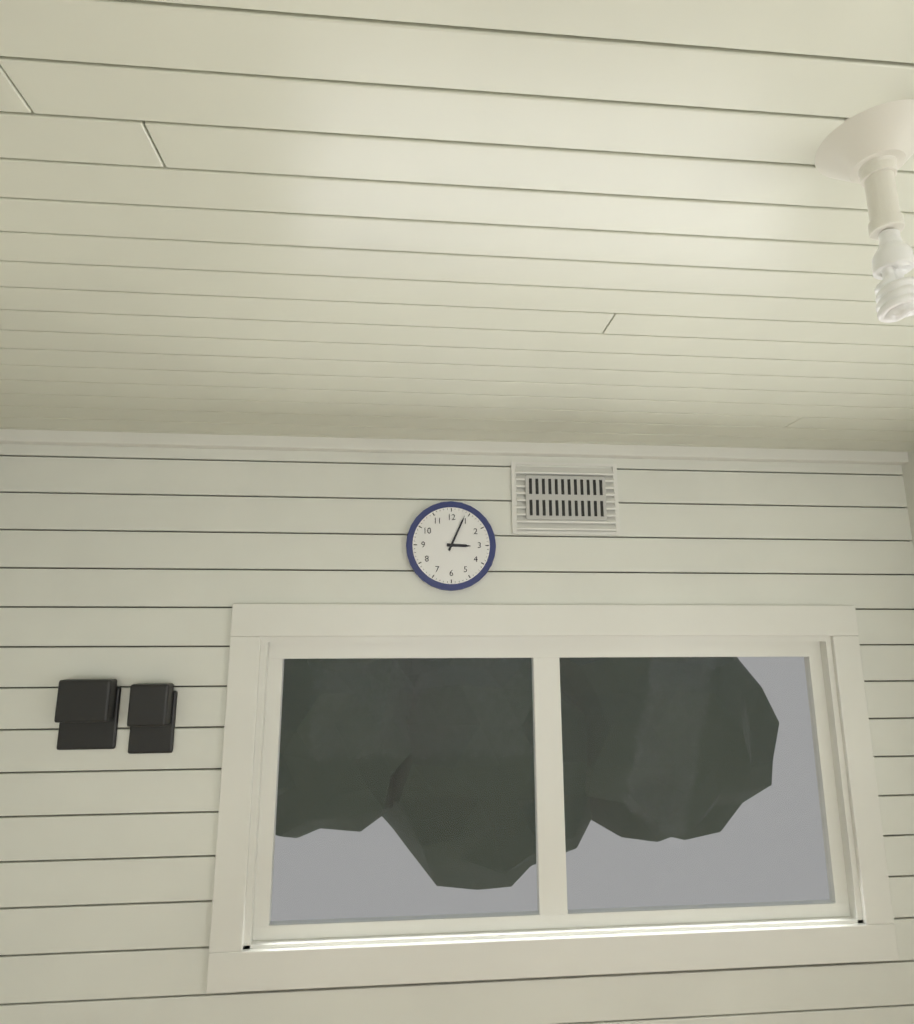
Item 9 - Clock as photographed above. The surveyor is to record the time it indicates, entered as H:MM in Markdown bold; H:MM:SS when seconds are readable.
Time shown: **3:04**
